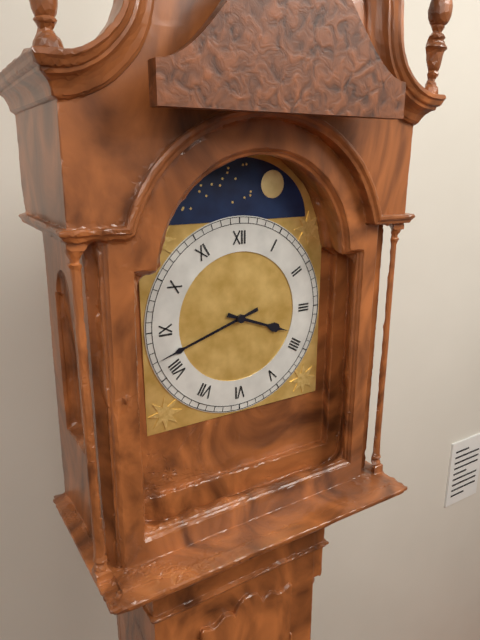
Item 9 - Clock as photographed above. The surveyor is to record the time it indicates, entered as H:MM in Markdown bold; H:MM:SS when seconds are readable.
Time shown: **3:42**
